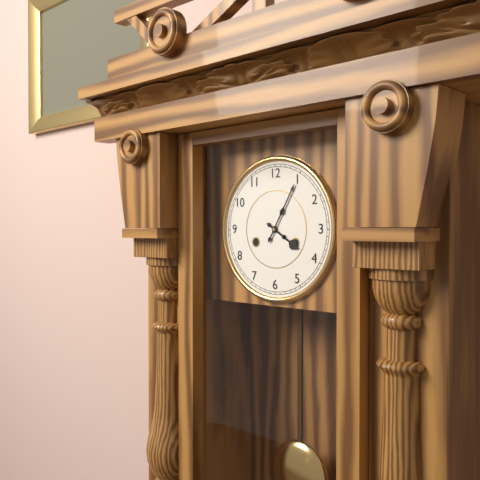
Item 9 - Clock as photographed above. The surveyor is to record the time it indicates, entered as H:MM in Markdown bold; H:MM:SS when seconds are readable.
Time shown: **4:05**
